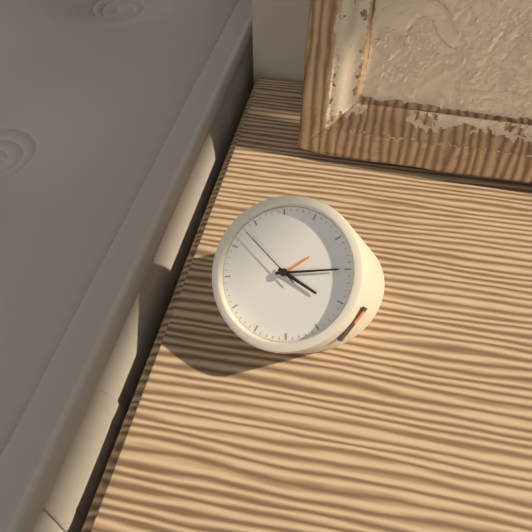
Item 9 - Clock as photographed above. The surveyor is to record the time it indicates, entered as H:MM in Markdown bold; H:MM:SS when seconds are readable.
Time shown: **3:10:48**
